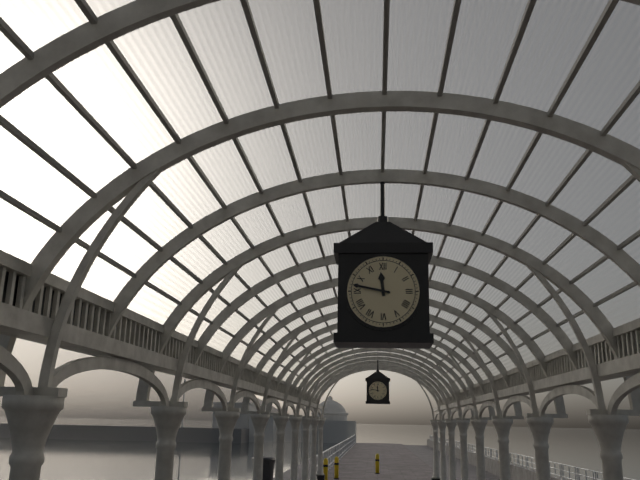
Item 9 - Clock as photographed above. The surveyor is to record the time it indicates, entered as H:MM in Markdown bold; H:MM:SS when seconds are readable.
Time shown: **11:47**
